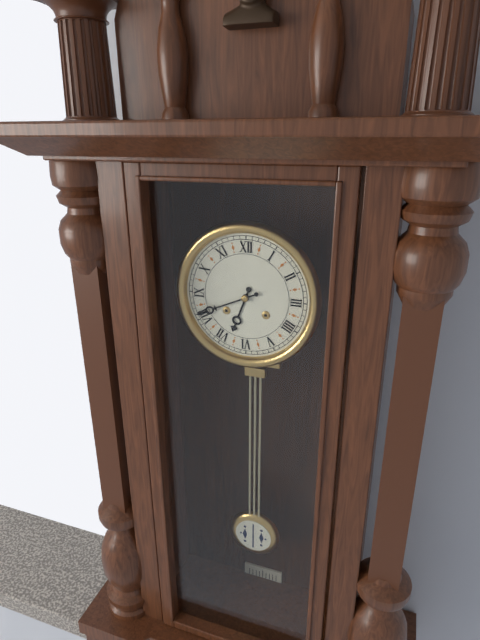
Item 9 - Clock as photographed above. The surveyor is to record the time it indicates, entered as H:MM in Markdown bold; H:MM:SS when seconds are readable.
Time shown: **6:41**
